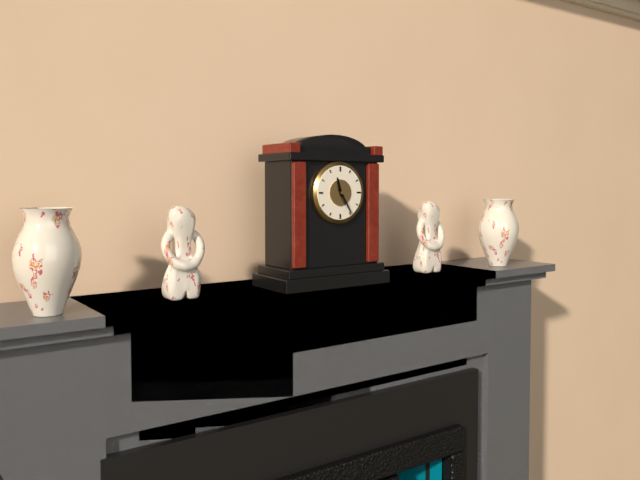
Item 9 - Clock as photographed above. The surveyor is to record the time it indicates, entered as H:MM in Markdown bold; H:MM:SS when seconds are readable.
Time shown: **11:25**
